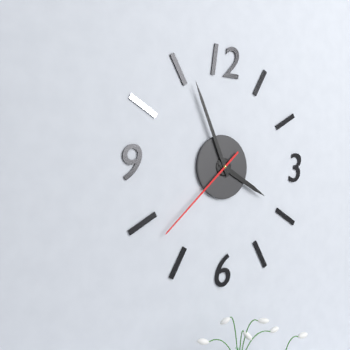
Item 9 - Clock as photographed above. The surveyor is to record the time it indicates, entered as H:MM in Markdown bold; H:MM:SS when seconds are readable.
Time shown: **3:56:38**
